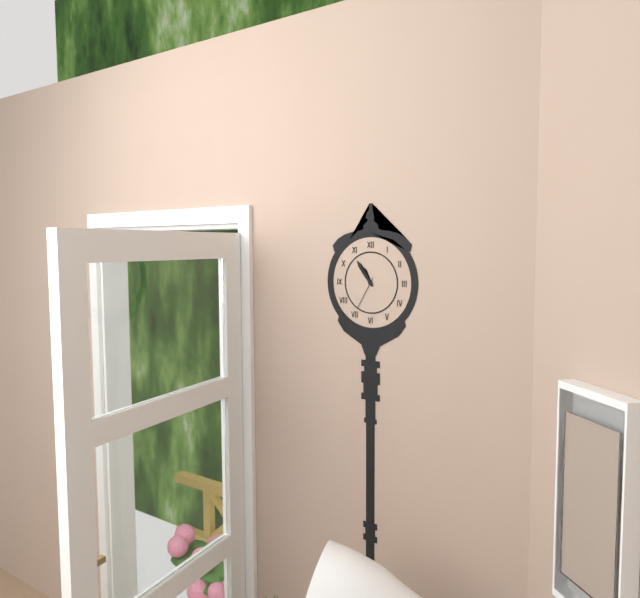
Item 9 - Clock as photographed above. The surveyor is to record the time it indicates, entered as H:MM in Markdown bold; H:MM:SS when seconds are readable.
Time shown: **10:54**
